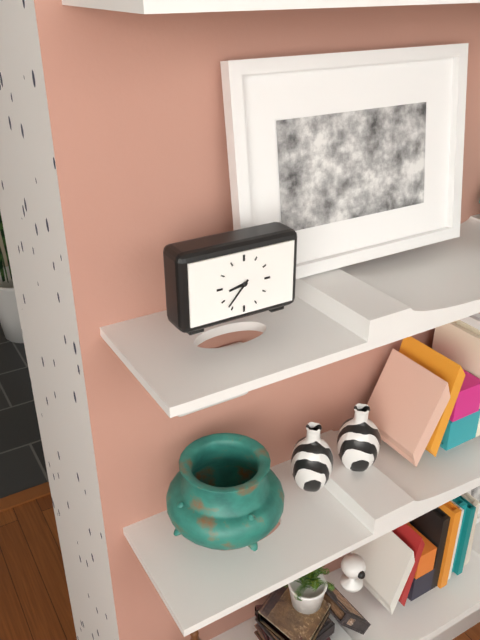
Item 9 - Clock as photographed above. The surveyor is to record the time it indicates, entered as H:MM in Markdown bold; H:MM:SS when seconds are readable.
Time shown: **8:37**
